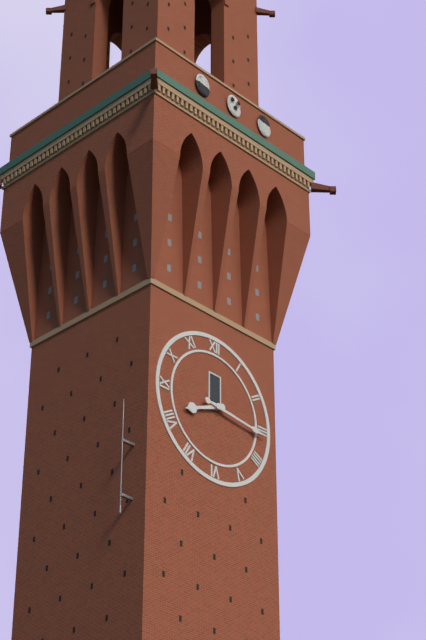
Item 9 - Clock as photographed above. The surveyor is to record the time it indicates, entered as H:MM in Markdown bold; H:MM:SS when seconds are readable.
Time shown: **8:16**
